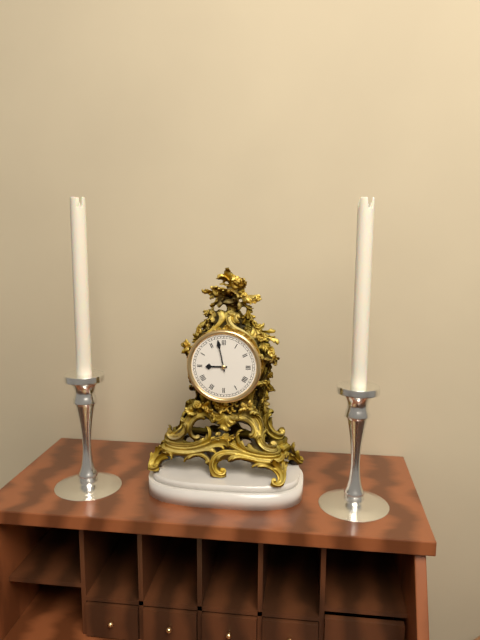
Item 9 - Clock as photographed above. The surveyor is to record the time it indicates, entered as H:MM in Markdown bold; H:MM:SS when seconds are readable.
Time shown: **8:58**
